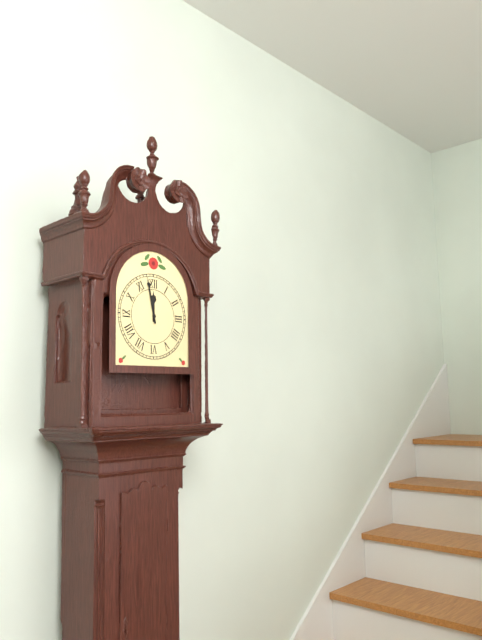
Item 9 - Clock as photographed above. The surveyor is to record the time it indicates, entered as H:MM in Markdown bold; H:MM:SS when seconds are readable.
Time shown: **11:58**
